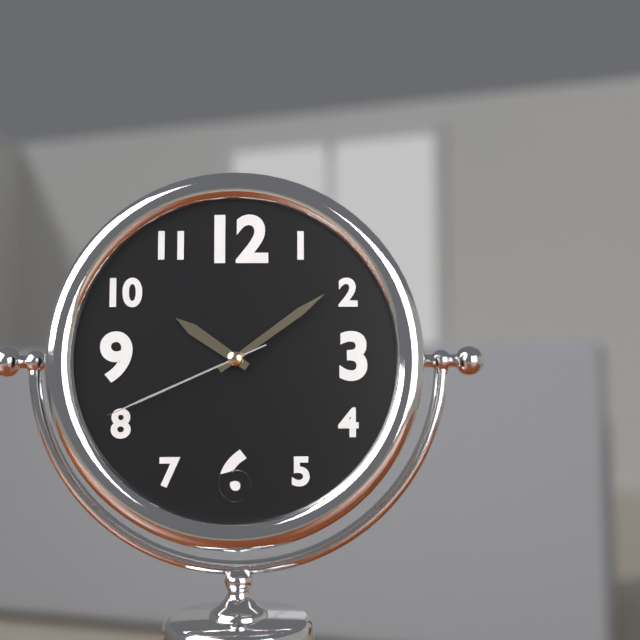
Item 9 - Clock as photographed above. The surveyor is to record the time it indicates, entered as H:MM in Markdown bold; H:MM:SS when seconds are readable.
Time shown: **10:09:41**
